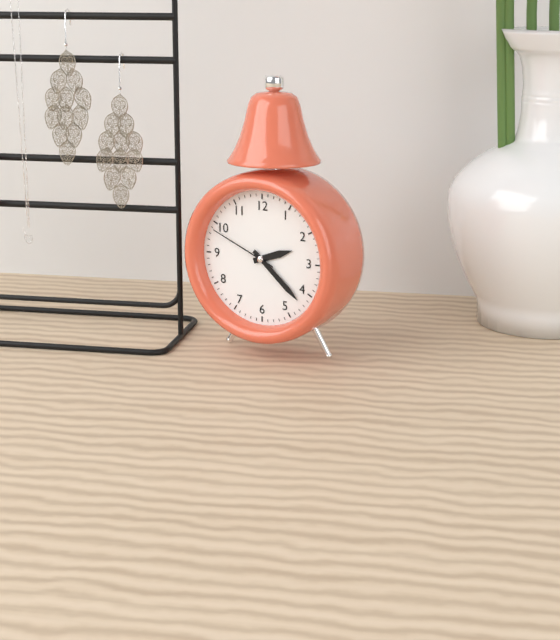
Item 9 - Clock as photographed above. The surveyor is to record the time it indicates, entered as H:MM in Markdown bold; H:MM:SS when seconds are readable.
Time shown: **2:22:49**
